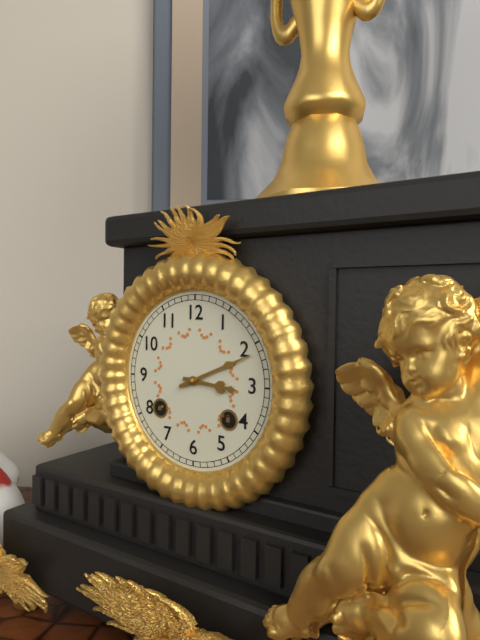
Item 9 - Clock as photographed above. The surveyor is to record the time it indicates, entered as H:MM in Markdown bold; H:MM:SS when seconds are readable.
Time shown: **3:11**
